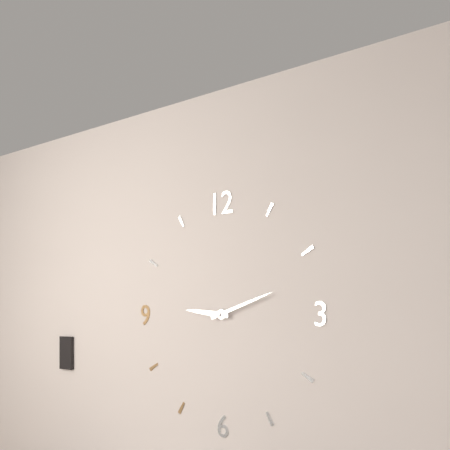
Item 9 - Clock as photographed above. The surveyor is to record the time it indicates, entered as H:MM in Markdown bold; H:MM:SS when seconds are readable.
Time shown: **9:12**
